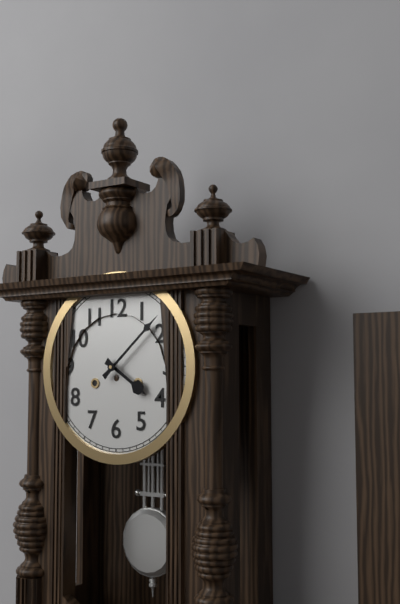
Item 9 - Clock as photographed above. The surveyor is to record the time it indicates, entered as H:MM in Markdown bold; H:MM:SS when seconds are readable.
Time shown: **4:08**
